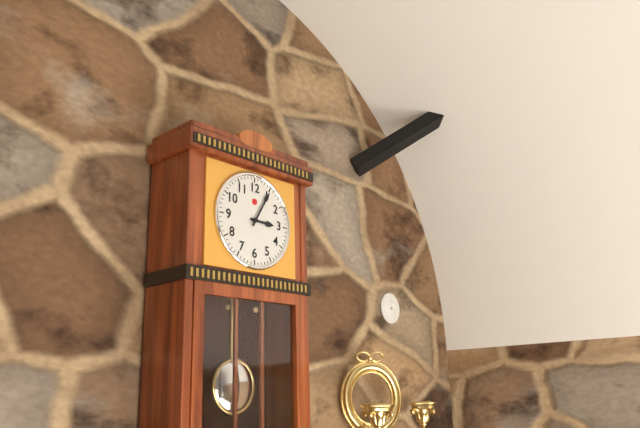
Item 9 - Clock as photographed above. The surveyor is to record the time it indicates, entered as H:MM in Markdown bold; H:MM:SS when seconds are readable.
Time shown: **3:05**
